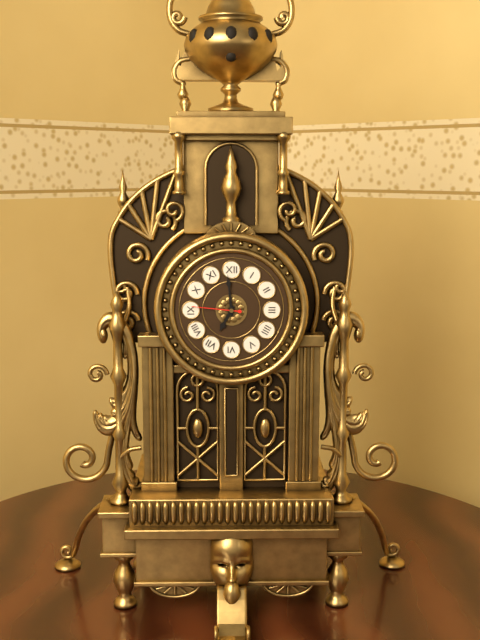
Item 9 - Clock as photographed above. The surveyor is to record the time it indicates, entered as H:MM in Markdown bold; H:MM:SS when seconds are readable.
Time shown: **6:59:46**
